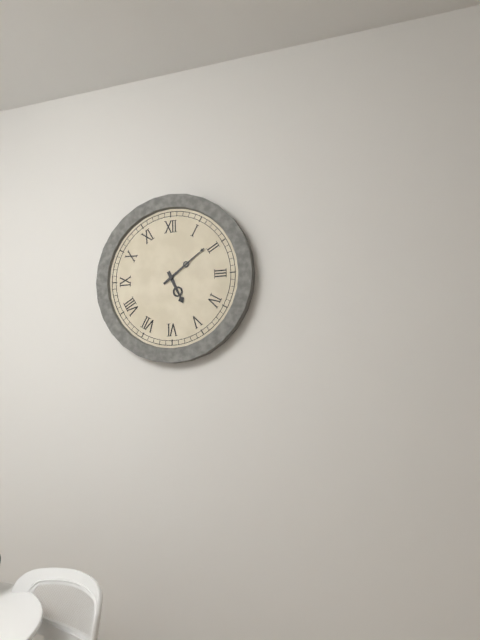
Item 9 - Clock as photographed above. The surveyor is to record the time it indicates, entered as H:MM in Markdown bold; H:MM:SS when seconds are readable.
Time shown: **5:09**
